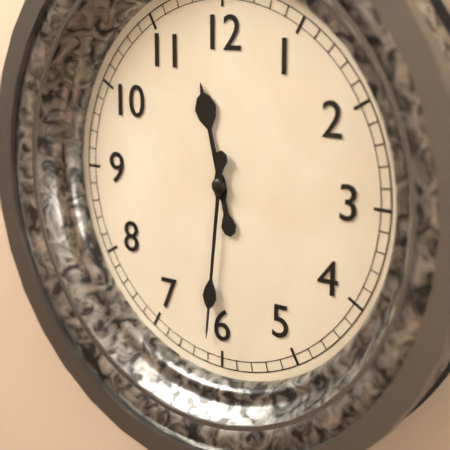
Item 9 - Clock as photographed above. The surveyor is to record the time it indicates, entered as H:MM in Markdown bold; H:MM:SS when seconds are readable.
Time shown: **11:31**
